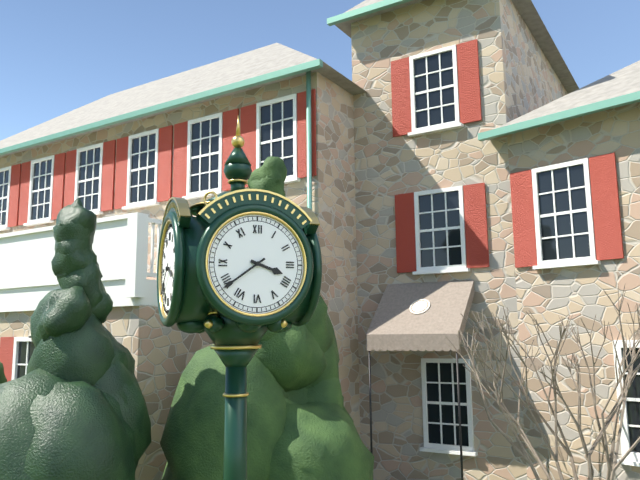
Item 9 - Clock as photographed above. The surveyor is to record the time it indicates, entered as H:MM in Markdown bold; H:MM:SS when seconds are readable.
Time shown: **3:39**
